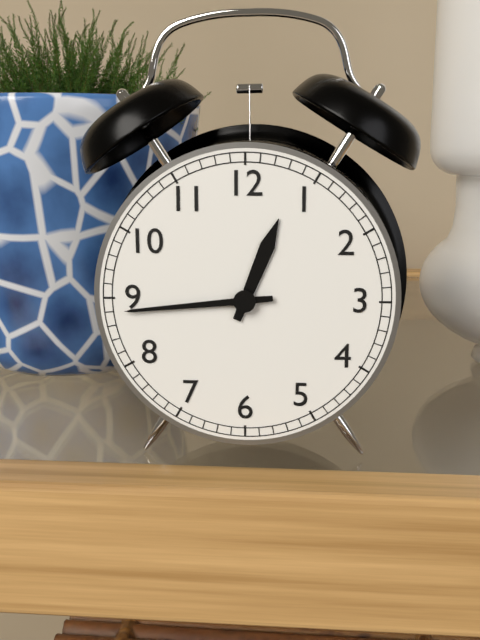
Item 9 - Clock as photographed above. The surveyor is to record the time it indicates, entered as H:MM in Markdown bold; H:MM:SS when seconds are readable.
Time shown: **12:44**
